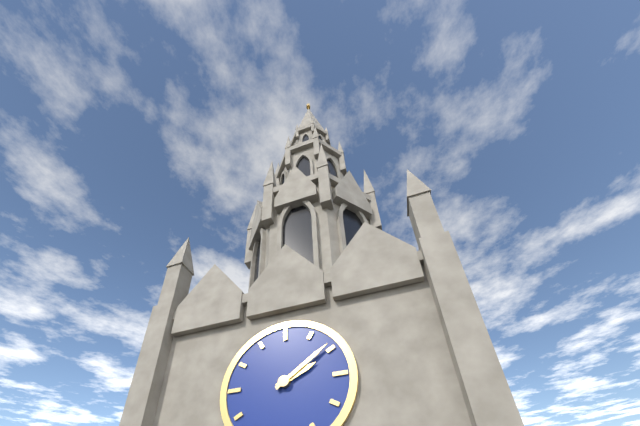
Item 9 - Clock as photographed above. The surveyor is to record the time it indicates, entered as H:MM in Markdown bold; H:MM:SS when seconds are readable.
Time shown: **2:09**
